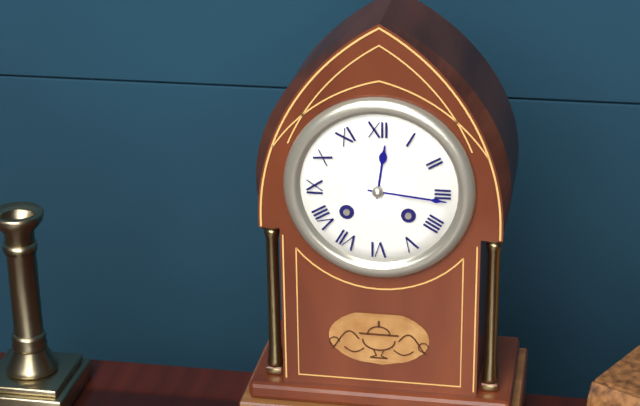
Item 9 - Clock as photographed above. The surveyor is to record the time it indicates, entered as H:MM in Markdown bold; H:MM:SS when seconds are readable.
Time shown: **12:16**
